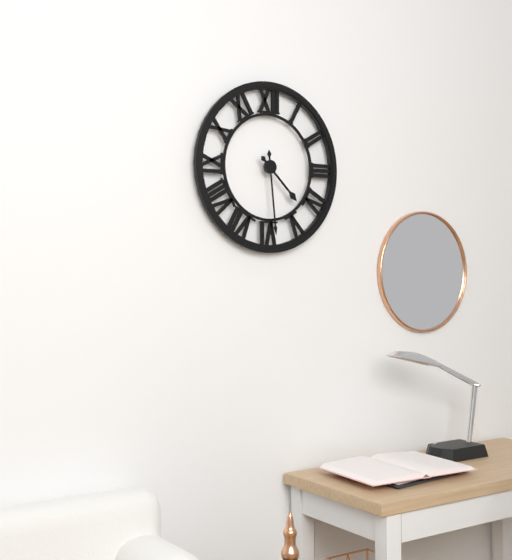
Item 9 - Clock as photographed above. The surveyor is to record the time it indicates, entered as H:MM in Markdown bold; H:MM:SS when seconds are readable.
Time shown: **4:29**
